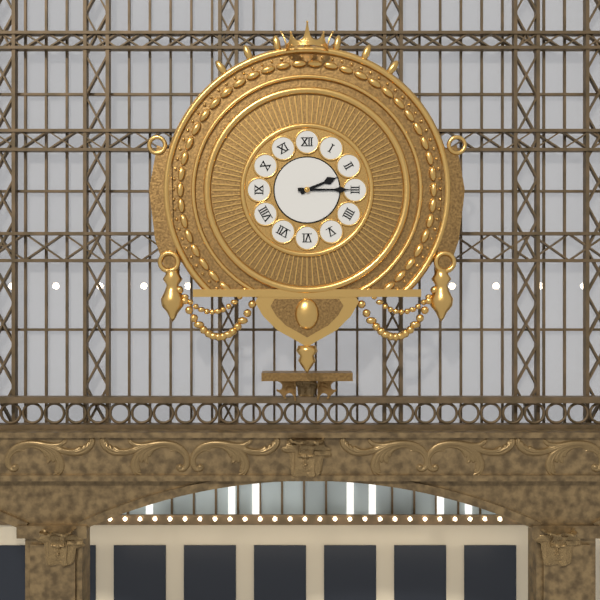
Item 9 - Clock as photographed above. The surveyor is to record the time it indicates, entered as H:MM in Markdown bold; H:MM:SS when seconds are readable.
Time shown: **2:15**
